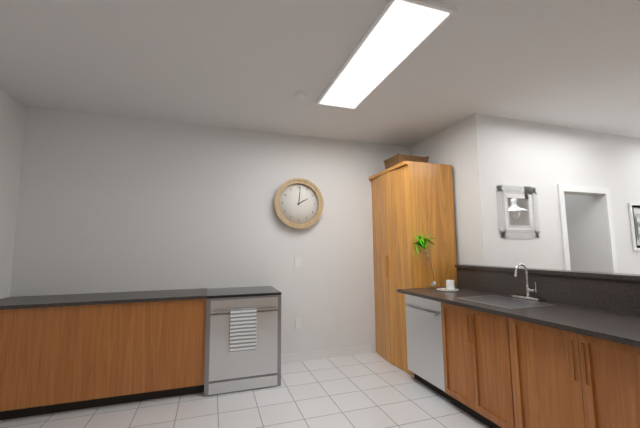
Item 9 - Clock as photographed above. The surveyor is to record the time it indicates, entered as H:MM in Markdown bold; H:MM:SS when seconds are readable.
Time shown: **2:01**
